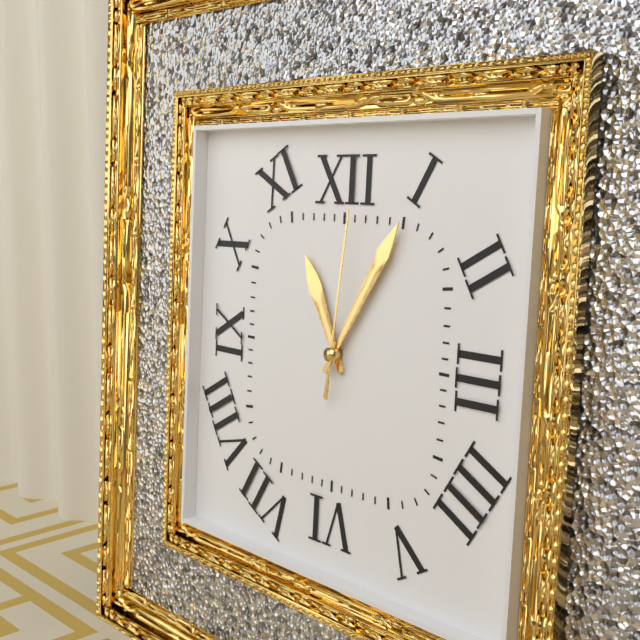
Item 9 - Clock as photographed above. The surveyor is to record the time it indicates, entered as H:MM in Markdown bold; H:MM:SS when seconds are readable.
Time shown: **11:05:01**
